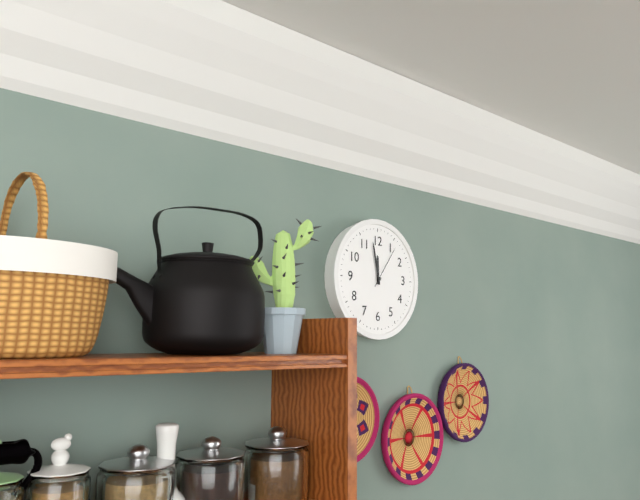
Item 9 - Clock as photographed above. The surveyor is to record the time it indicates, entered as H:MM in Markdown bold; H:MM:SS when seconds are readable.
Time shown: **11:58**
